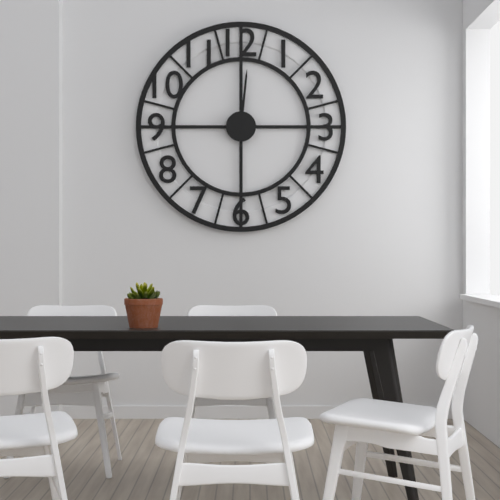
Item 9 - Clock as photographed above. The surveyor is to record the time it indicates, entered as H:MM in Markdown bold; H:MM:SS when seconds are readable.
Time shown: **12:01**
